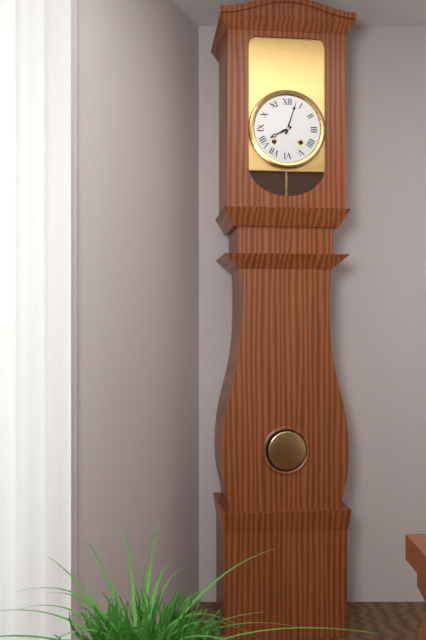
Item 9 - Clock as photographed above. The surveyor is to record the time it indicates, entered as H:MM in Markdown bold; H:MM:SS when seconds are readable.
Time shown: **8:03**
